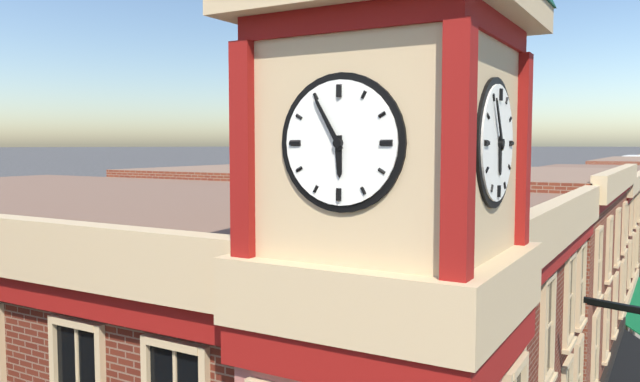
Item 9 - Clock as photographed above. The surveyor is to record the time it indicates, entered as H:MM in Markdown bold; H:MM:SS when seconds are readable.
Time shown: **5:55**
